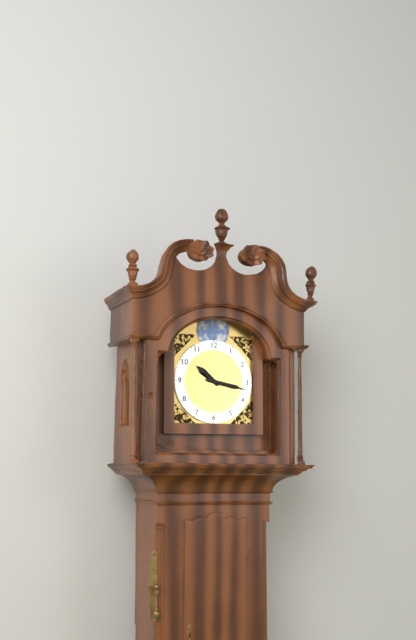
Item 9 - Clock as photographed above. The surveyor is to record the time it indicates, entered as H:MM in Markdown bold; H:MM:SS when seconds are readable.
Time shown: **10:17**
